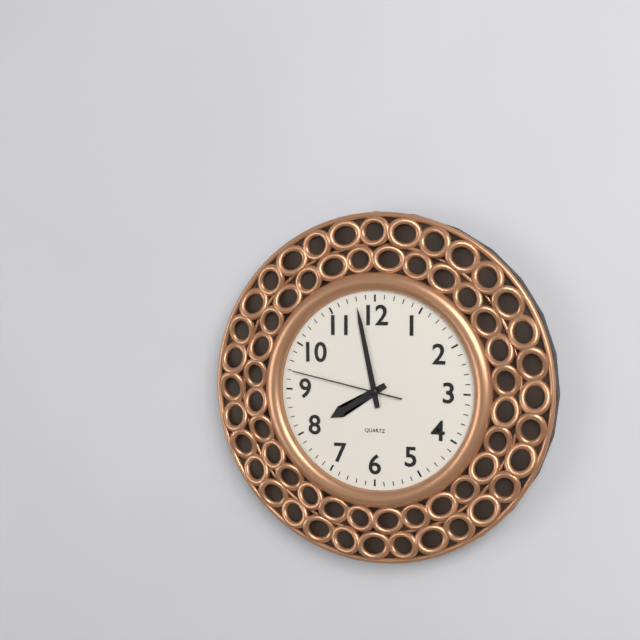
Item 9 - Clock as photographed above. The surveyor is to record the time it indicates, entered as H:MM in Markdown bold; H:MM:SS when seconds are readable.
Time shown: **7:58:47**
